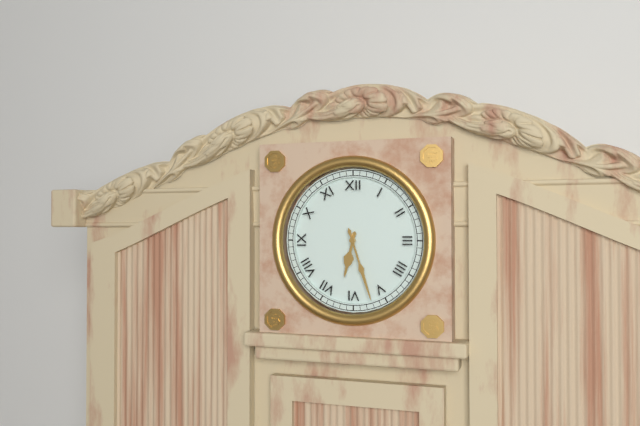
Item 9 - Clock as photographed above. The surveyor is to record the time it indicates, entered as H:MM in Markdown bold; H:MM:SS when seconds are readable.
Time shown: **6:27**
